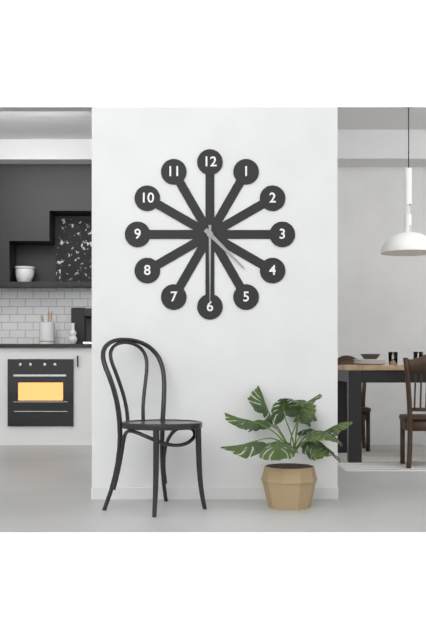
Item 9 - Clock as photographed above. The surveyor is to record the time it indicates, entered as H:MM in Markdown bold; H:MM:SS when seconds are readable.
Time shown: **4:30**
